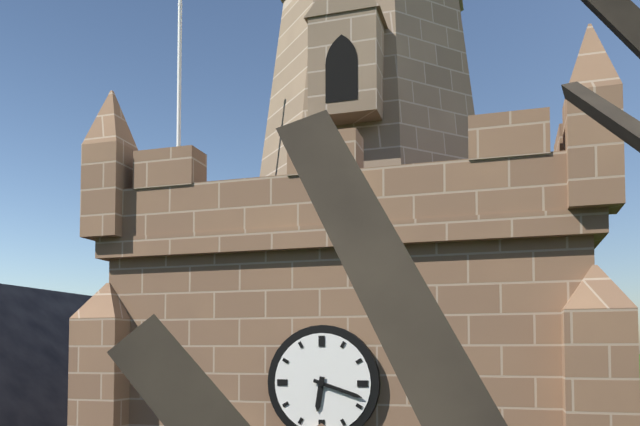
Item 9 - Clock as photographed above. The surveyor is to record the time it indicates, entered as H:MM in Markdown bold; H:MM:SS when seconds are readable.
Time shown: **6:18**
